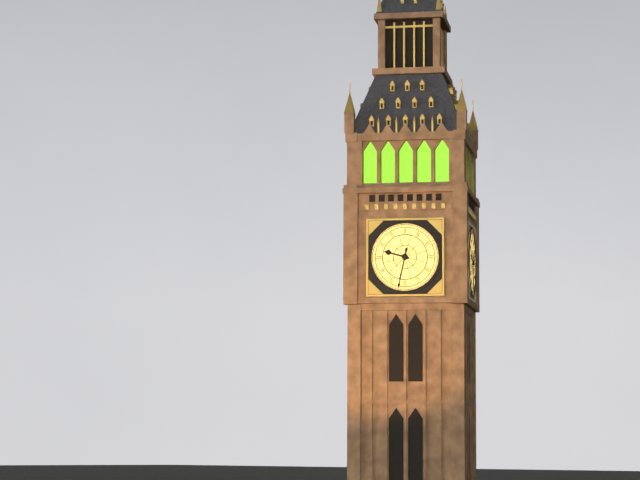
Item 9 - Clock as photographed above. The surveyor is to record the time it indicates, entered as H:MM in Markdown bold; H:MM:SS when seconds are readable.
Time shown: **9:32**
